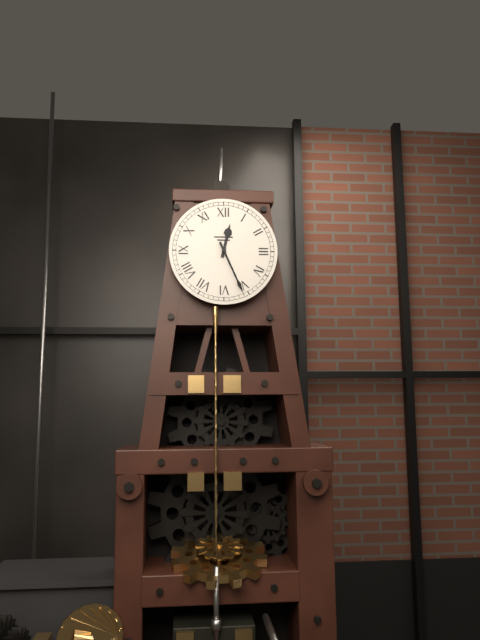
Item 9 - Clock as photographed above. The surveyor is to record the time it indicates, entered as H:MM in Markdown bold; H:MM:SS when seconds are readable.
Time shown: **12:26**
